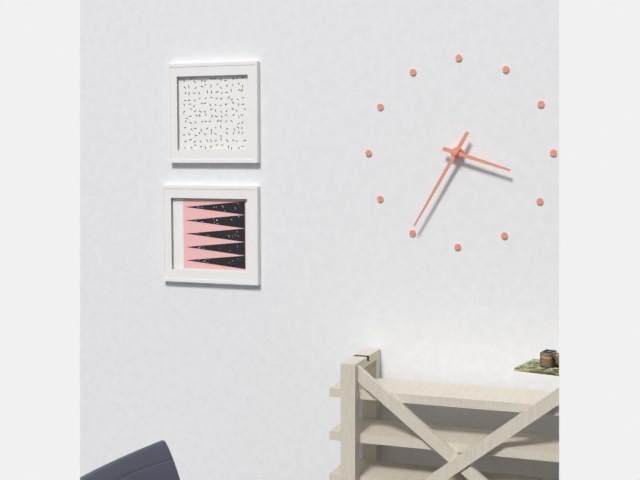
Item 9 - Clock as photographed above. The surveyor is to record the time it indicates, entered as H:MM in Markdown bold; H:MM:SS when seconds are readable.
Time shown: **3:35**
